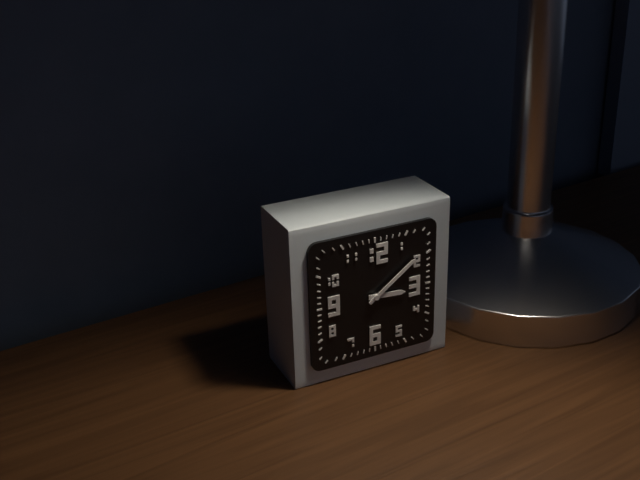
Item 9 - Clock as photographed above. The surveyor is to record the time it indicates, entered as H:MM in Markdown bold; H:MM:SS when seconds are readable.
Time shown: **3:09**
